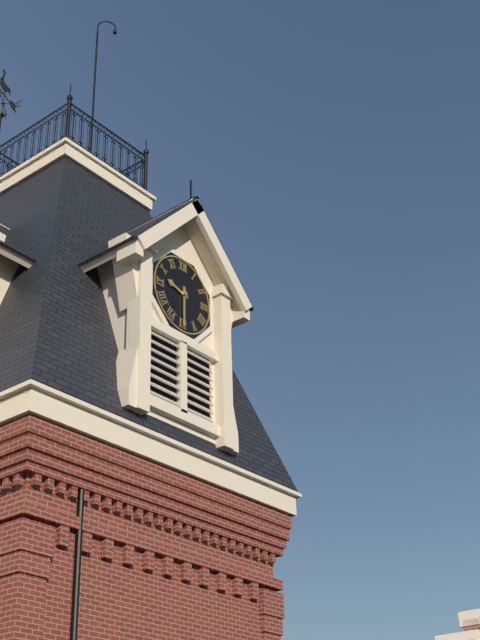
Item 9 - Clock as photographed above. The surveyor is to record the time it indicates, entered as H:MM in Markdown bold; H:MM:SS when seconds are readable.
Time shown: **9:30**
